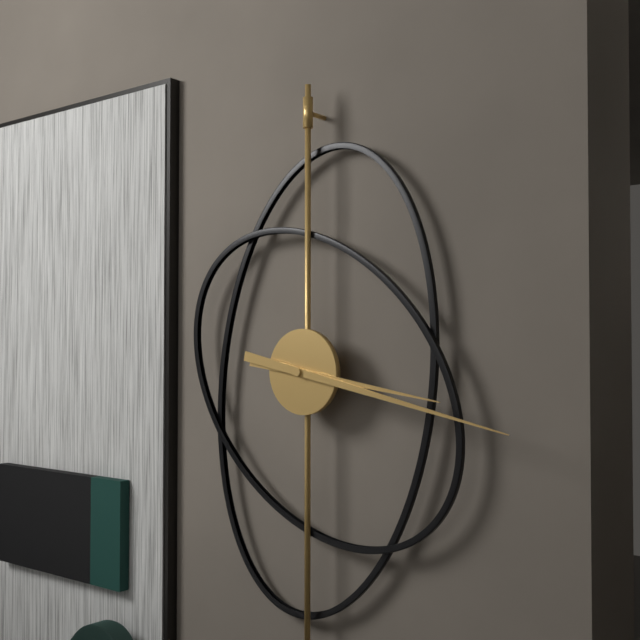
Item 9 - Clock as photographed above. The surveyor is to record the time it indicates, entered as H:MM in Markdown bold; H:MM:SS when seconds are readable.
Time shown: **3:17**
